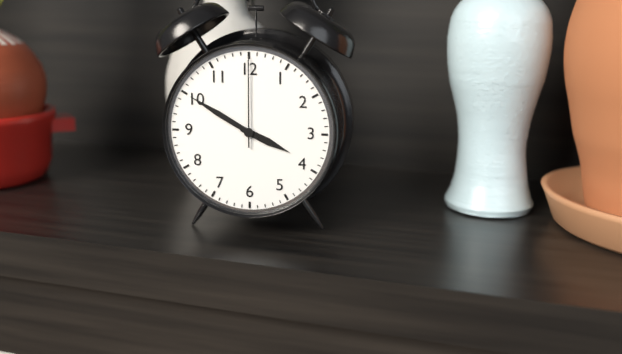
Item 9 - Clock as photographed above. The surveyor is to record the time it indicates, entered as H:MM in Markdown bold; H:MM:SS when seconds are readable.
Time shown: **3:50:00**
